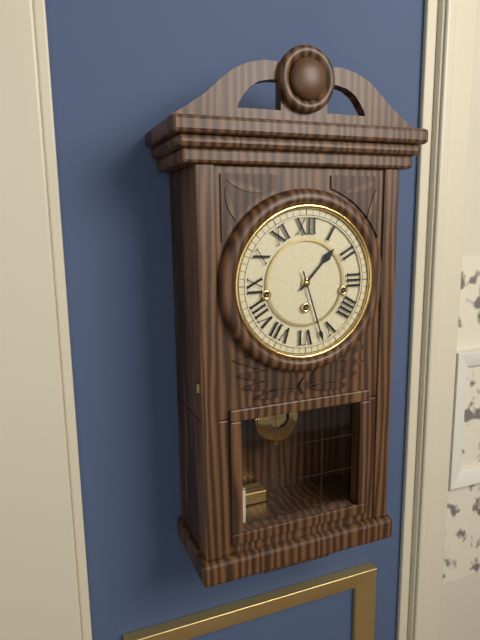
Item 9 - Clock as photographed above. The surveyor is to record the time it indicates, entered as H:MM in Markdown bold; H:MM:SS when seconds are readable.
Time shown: **1:27**
